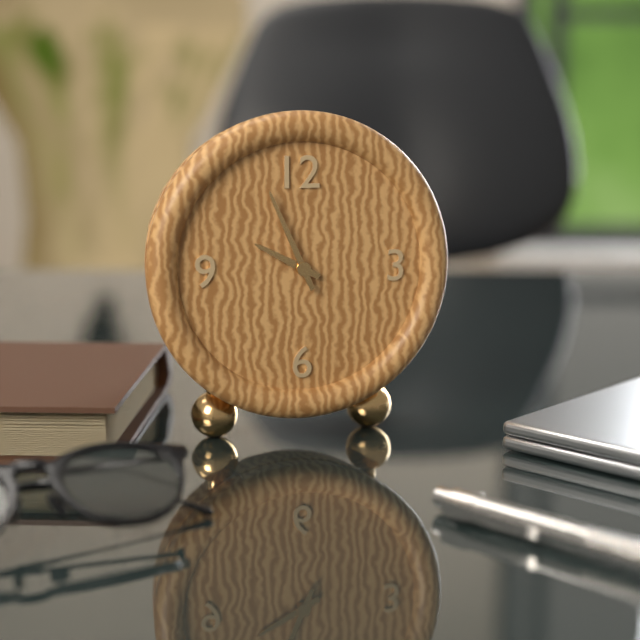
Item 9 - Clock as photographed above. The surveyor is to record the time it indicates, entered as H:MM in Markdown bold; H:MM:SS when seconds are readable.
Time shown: **9:56**
